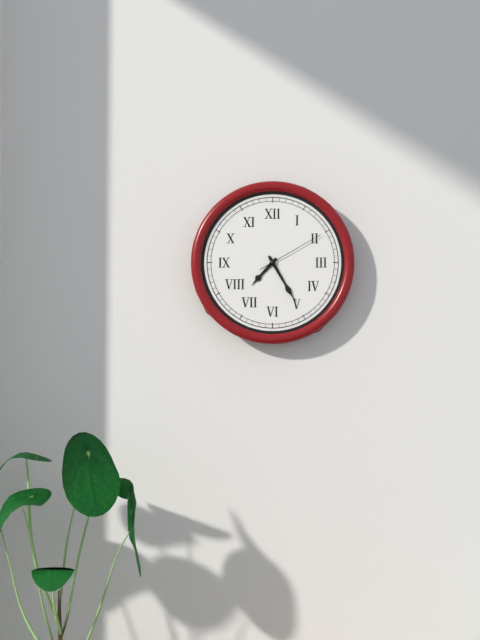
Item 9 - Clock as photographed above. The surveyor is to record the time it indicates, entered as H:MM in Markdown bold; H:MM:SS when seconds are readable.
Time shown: **7:25:10**
